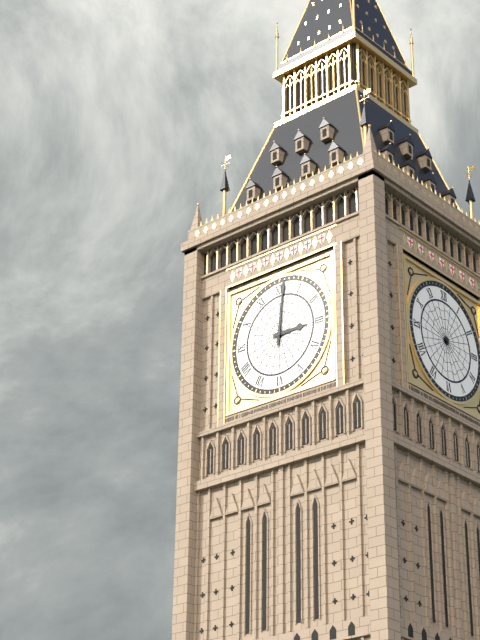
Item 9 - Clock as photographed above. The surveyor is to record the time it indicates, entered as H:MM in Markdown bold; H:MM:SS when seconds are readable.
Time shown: **3:01**
